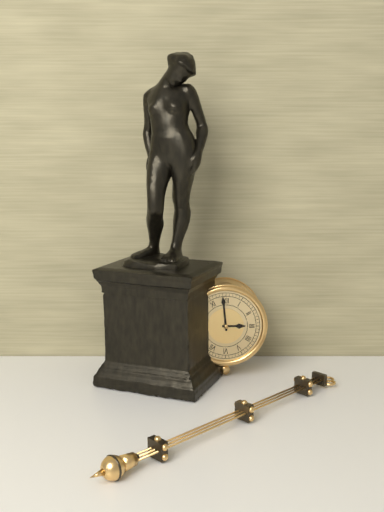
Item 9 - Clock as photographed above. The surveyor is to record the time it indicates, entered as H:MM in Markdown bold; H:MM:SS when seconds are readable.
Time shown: **2:59**
